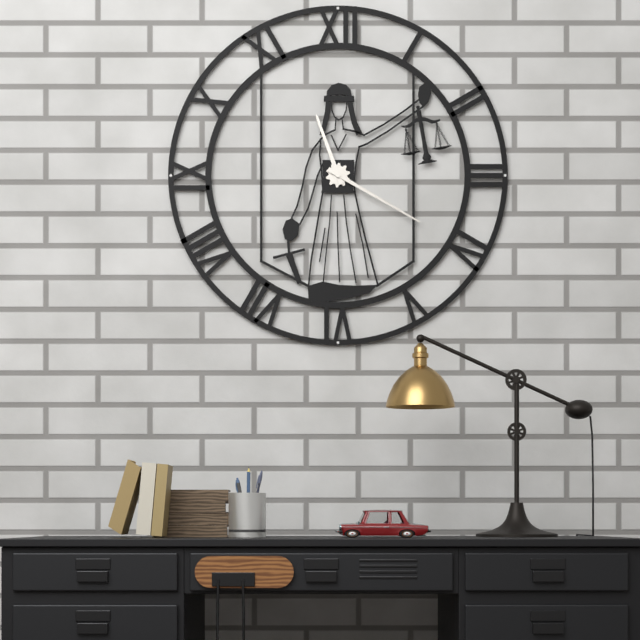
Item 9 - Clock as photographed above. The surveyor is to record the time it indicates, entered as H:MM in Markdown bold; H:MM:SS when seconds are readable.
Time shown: **11:20**
